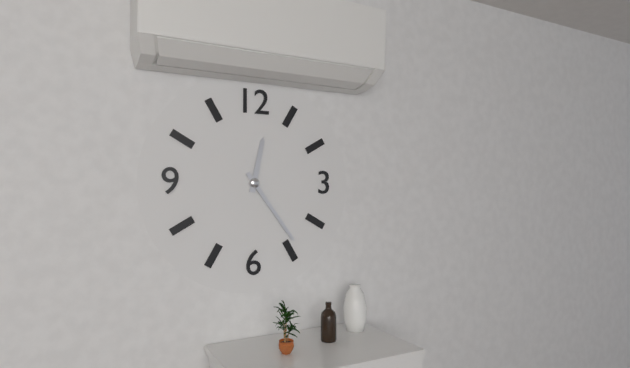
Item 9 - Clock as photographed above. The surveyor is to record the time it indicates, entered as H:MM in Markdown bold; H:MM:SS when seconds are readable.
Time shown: **12:24**
